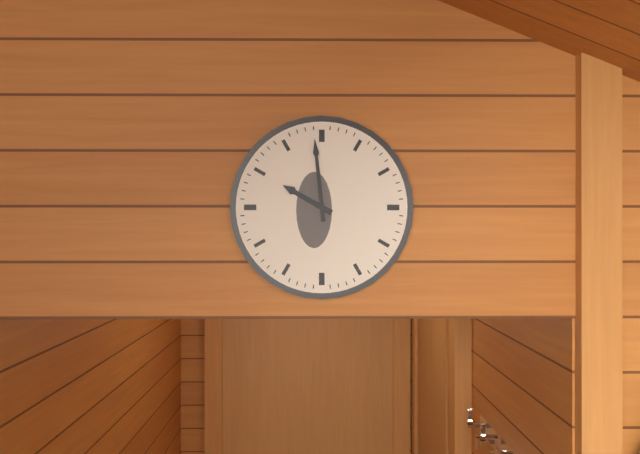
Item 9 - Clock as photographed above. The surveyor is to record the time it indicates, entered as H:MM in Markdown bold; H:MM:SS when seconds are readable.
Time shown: **9:59**
